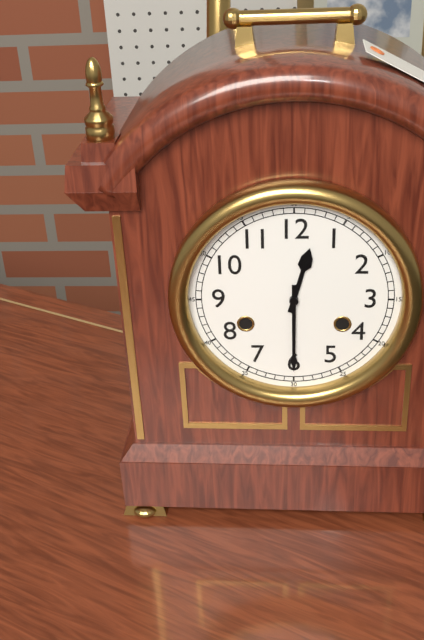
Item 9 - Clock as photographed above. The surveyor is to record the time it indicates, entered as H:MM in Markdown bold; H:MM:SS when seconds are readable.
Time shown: **12:30**
